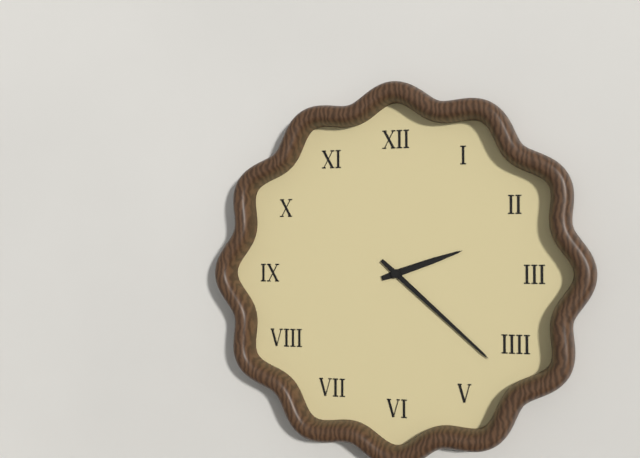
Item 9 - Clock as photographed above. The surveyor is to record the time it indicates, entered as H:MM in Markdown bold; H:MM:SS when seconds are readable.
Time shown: **2:22**
